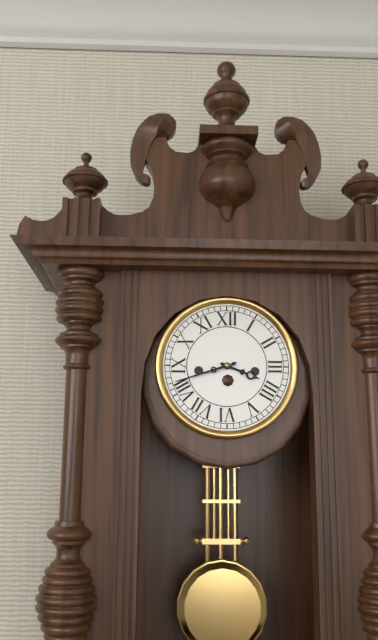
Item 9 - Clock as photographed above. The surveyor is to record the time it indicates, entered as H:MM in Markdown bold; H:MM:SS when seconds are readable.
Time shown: **3:42**
